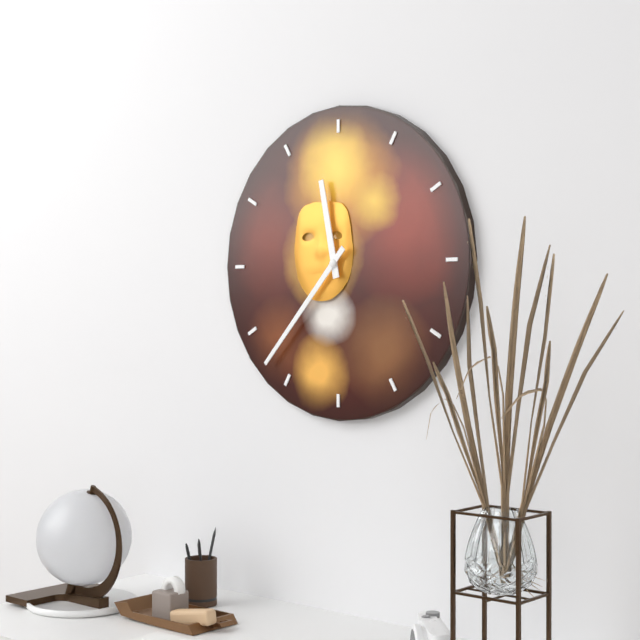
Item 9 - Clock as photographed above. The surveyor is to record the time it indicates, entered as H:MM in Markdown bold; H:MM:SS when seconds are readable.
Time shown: **11:37**
